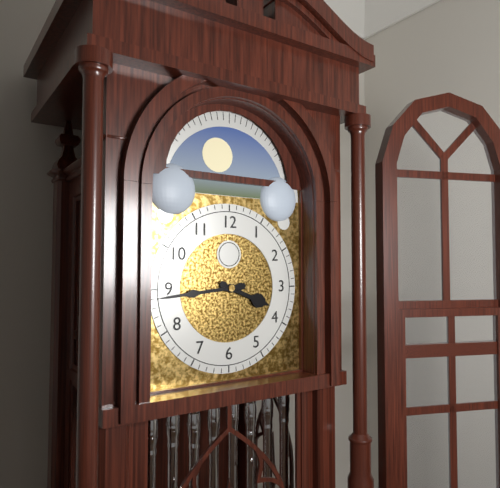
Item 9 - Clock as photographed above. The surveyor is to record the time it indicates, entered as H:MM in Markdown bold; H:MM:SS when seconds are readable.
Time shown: **3:44**
